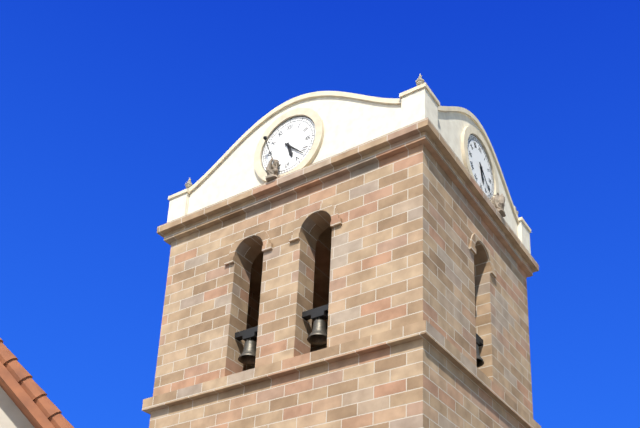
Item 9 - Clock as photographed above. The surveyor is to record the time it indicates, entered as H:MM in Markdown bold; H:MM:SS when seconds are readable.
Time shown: **5:22**
